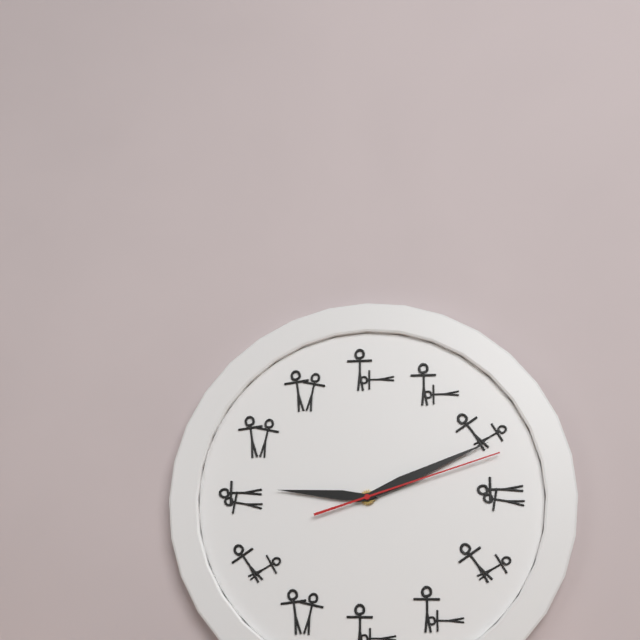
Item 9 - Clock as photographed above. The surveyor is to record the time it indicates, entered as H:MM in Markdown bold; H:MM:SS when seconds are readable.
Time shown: **9:11:12**
